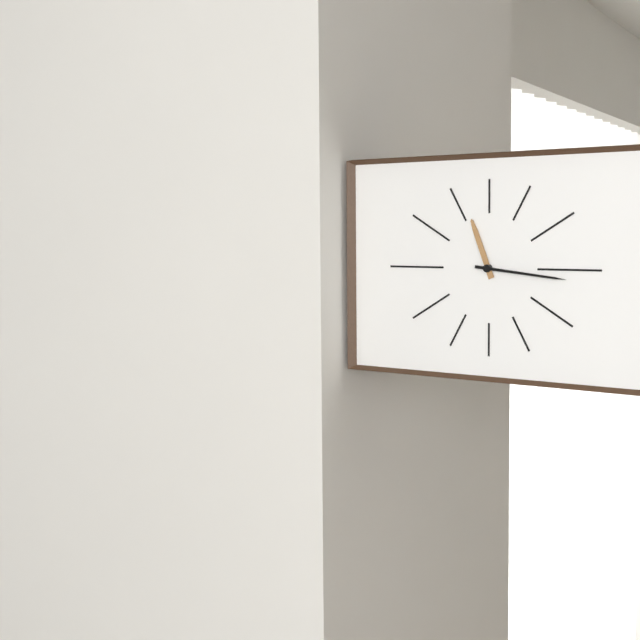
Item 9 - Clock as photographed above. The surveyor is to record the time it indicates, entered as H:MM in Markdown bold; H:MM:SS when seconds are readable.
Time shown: **11:16**
